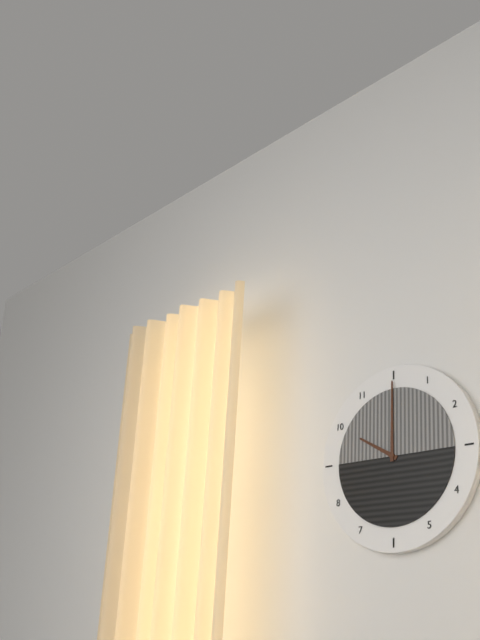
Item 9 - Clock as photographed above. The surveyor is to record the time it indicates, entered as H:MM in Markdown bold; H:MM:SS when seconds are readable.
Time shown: **10:00**
